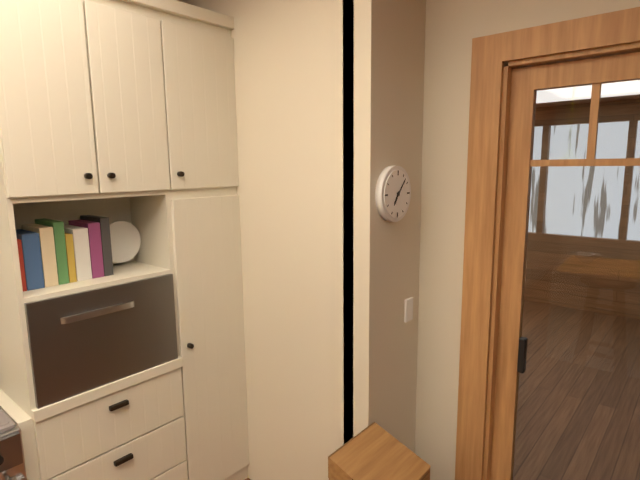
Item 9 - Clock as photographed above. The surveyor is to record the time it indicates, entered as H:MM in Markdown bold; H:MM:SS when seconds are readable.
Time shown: **7:07**
